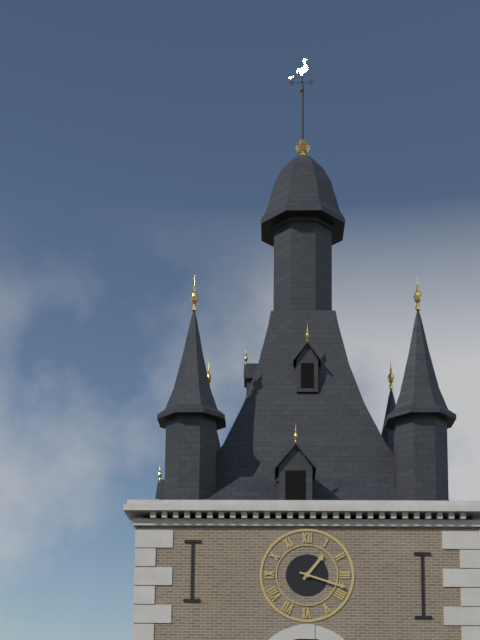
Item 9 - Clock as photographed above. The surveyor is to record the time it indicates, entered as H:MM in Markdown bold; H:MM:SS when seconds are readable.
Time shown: **1:18**
